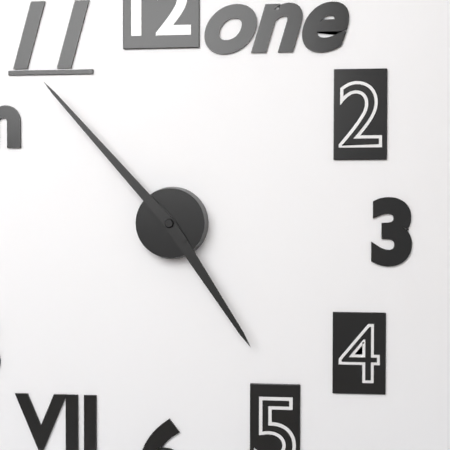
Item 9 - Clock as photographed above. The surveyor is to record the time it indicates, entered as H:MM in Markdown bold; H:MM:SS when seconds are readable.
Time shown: **4:53**
